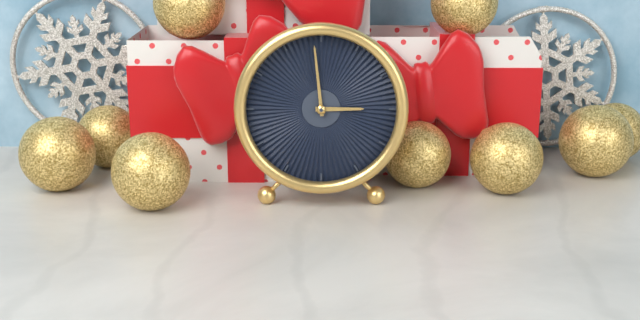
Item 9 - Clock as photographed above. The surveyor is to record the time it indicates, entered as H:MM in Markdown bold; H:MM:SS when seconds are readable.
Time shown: **2:59**
